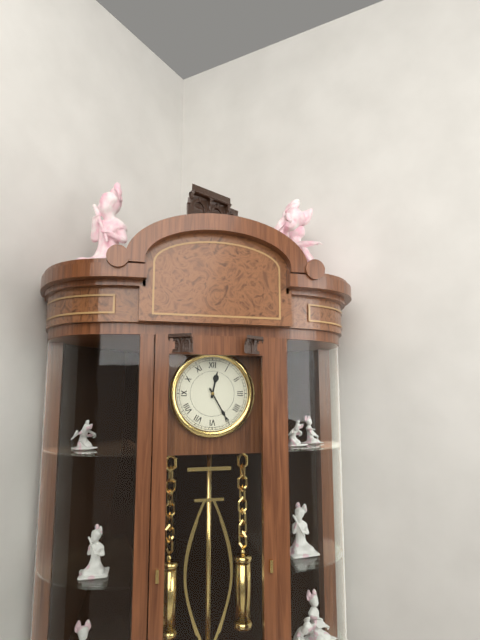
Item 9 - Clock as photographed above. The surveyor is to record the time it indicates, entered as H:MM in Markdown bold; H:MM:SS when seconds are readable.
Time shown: **12:25**
